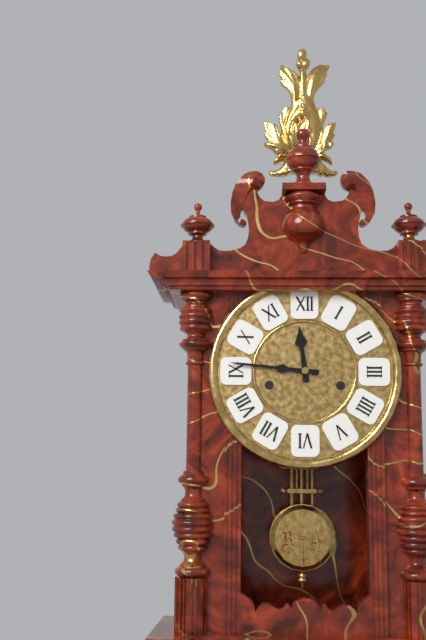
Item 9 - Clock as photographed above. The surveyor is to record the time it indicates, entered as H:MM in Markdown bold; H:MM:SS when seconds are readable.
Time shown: **11:46**
